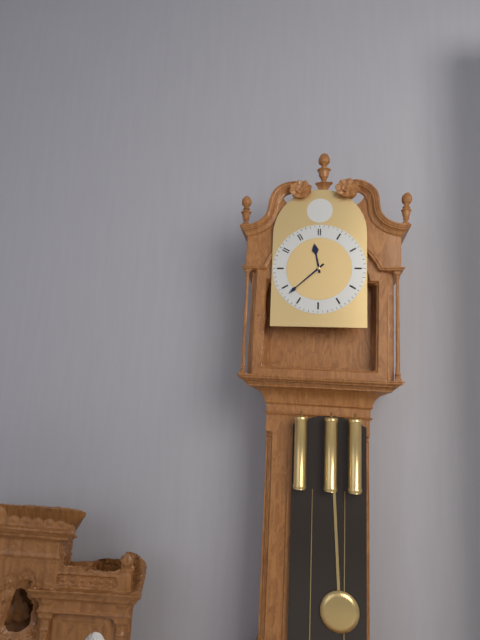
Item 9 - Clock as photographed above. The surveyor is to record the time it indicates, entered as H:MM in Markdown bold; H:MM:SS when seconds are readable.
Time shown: **11:38**
